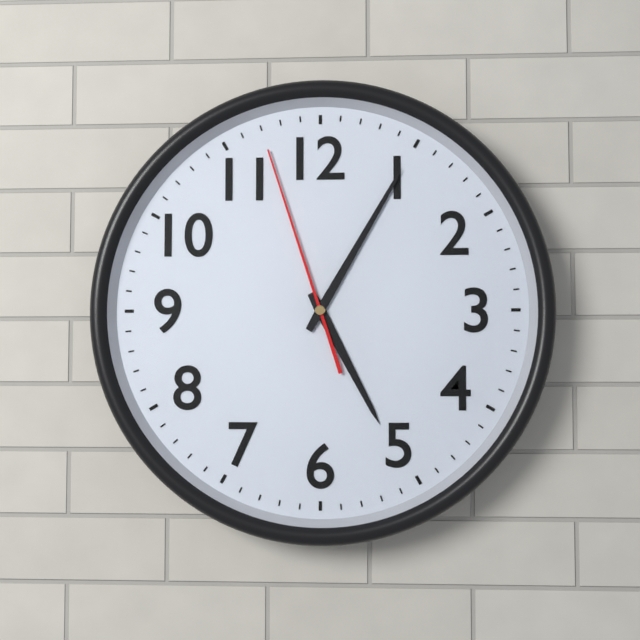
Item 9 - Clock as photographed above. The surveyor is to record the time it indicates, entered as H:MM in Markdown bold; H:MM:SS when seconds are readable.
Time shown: **5:05:57**
